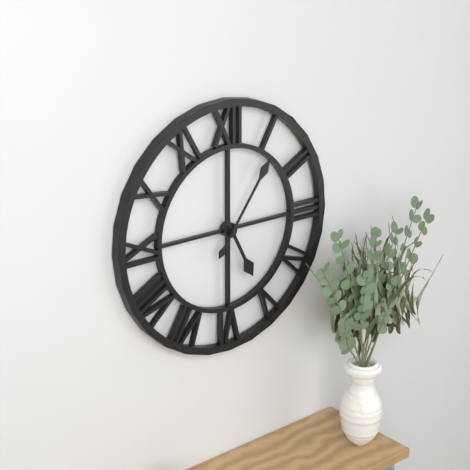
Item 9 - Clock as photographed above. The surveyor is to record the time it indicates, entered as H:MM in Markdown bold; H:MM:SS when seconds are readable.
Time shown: **5:06**
